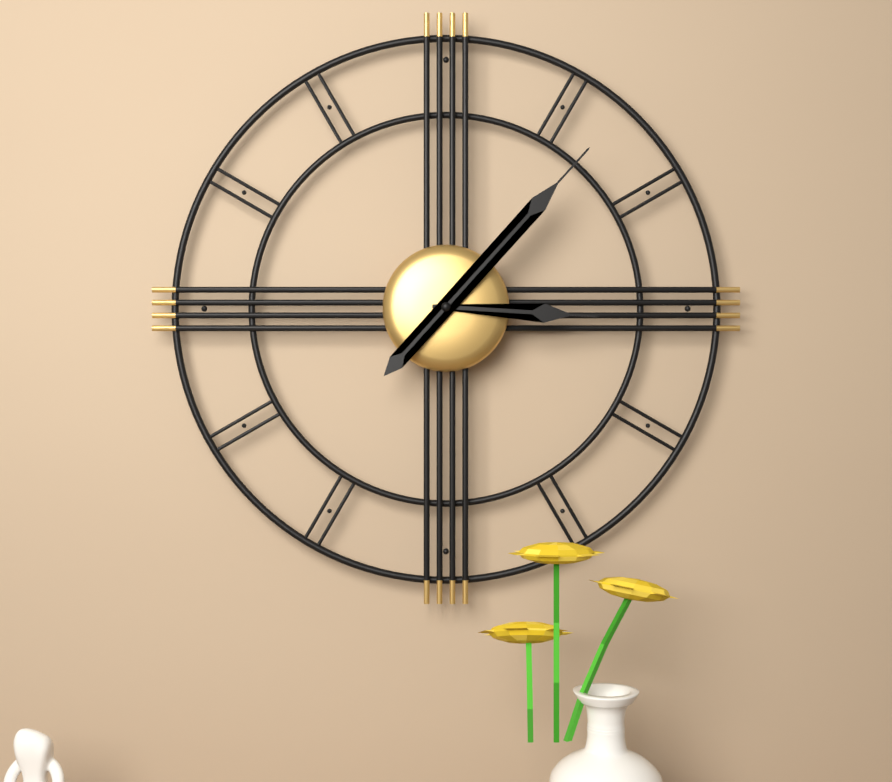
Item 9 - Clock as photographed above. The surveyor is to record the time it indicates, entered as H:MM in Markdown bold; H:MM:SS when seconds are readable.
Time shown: **3:07**
